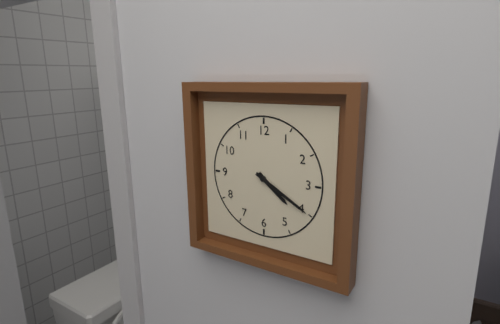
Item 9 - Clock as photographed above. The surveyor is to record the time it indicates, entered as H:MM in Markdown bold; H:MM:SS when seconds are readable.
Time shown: **4:20**
